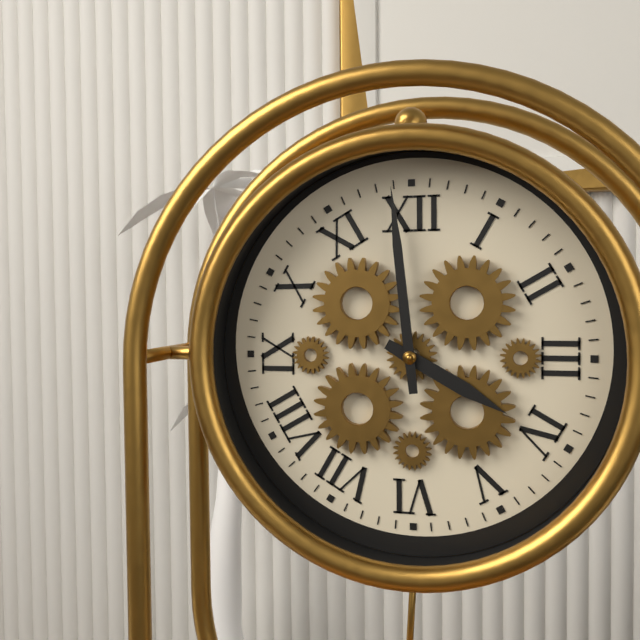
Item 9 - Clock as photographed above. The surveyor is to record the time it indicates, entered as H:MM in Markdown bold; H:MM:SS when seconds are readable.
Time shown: **3:59**
